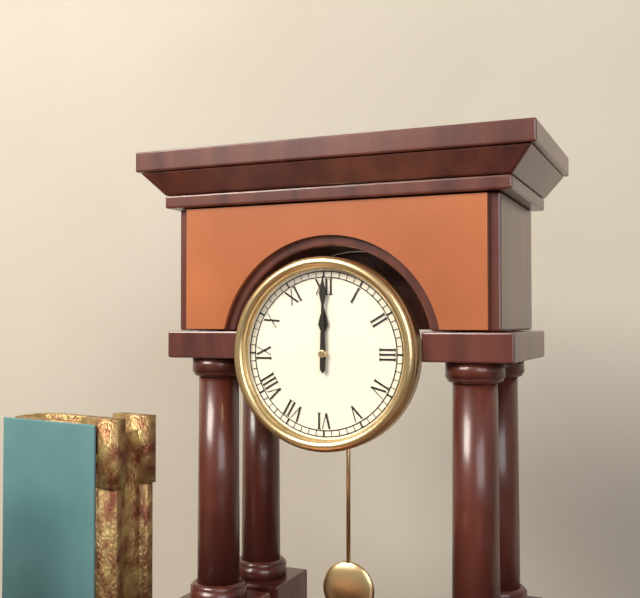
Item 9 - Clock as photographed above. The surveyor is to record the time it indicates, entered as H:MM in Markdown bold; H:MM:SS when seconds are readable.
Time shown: **12:00**
